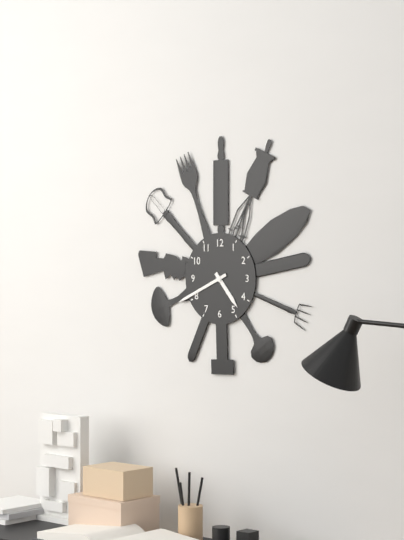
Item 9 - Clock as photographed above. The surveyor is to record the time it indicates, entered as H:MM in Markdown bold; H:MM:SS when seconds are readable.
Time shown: **4:41**
